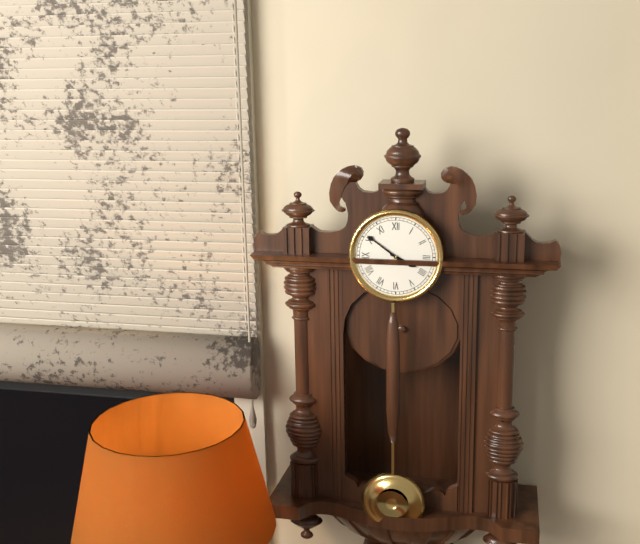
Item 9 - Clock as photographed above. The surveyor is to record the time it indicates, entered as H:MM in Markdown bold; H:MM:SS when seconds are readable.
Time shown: **3:51**
